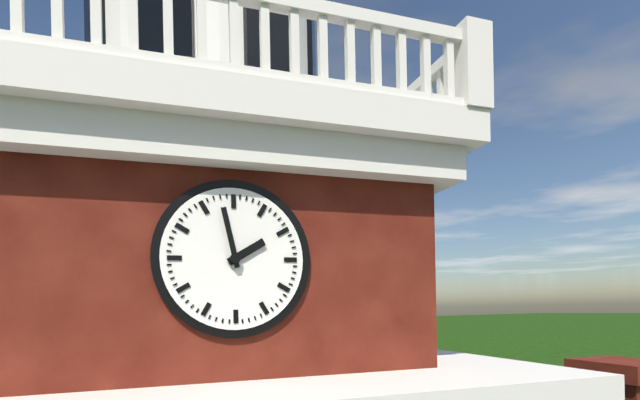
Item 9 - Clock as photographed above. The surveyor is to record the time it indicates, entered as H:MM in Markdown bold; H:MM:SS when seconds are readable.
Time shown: **1:58**
